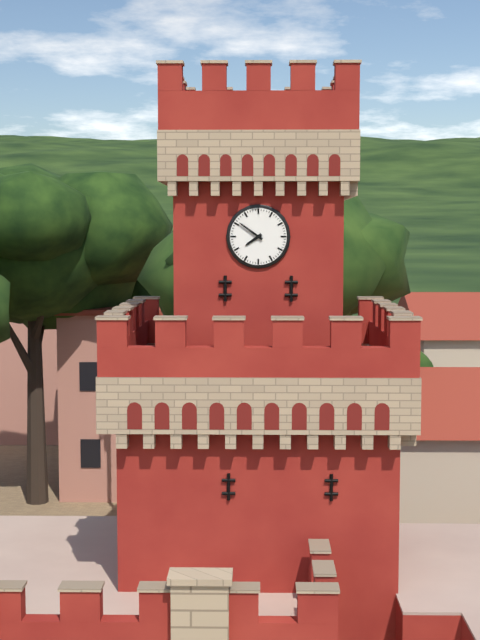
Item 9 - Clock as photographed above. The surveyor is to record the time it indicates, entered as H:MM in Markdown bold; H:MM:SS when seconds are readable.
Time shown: **7:51**
